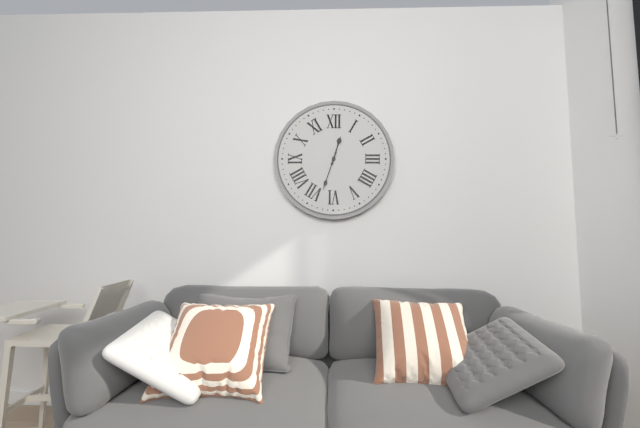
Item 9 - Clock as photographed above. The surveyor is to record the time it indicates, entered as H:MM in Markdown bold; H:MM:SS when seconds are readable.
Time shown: **12:33**
